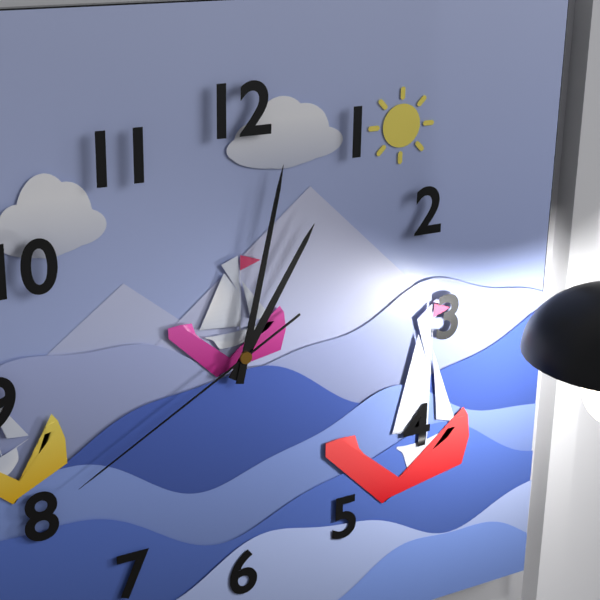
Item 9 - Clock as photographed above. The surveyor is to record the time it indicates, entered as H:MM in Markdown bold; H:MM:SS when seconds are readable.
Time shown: **1:02:40**
